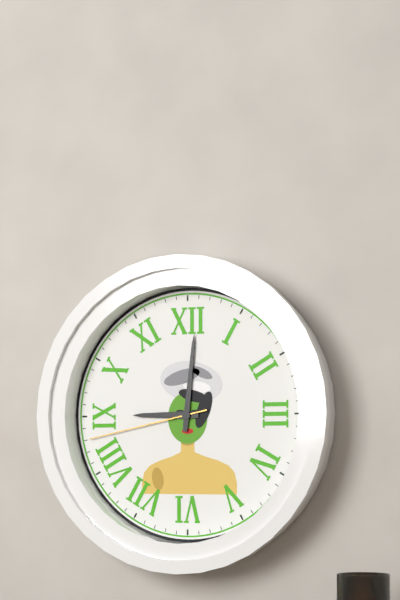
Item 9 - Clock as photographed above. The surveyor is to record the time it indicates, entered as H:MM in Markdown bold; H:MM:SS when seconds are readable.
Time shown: **9:01:43**
